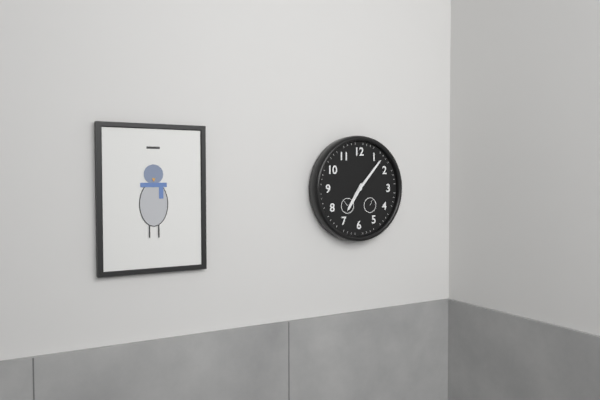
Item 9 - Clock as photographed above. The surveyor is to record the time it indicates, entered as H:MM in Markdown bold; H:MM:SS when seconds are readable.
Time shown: **7:07**
